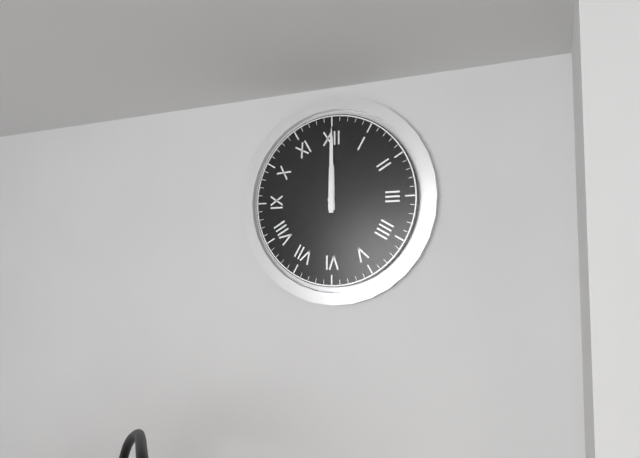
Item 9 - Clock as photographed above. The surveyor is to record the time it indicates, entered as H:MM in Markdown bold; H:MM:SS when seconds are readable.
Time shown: **12:00**
